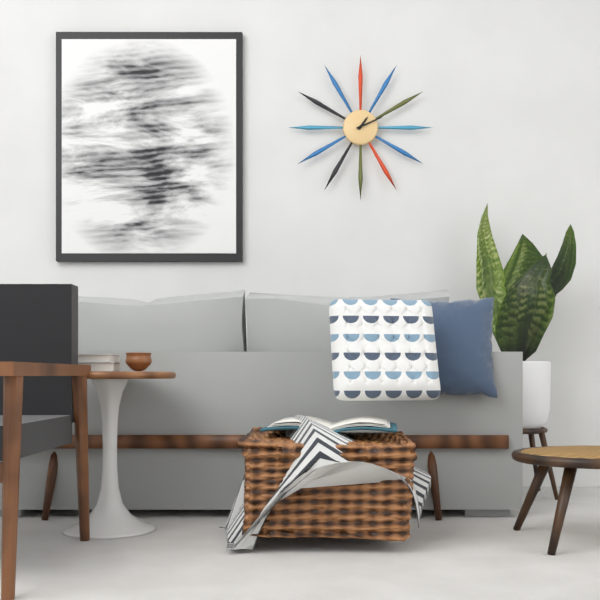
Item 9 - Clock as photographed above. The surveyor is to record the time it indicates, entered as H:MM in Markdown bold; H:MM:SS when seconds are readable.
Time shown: **1:11**
